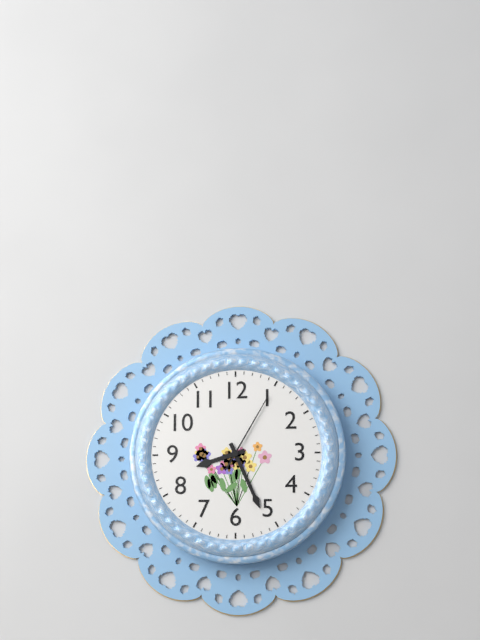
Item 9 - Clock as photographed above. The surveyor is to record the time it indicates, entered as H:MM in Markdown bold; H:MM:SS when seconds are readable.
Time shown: **8:26:05**
